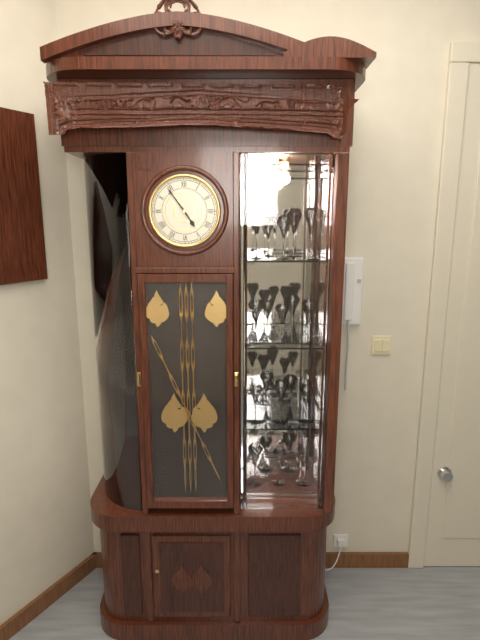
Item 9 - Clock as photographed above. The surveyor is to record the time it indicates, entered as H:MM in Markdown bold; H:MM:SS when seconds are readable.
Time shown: **4:54**
